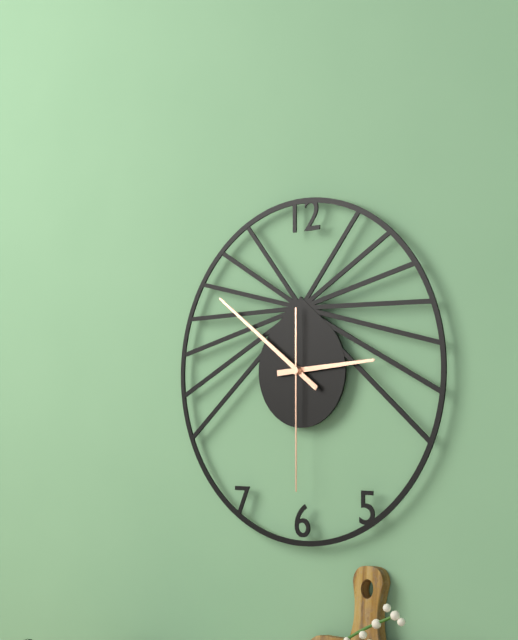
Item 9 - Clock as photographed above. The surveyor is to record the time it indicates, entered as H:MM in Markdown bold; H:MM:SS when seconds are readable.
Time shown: **2:51:30**
